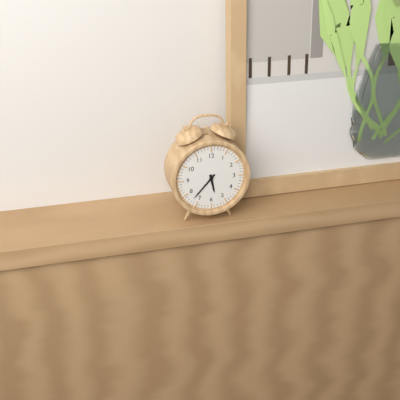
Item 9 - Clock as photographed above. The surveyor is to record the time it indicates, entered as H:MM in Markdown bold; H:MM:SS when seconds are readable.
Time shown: **5:37**
